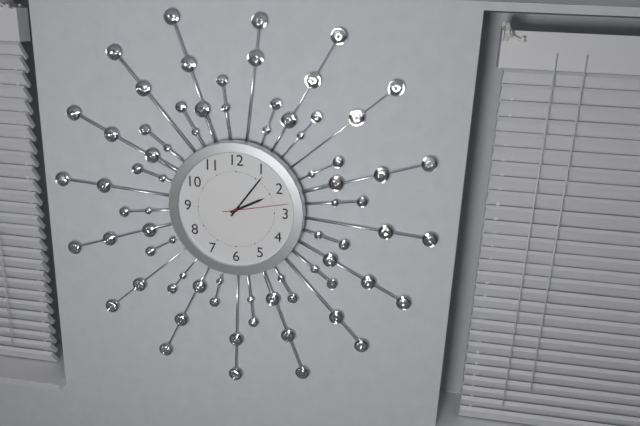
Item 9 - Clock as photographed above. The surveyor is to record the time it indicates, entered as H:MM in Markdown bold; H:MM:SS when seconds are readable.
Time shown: **2:06:13**
